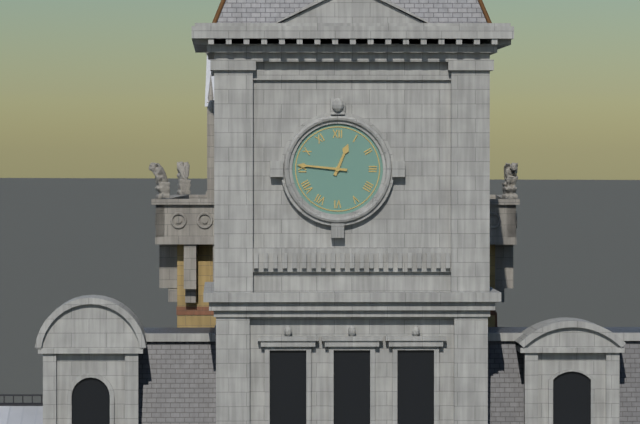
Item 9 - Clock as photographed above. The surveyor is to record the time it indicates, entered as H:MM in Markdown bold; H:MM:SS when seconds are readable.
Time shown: **12:46**
